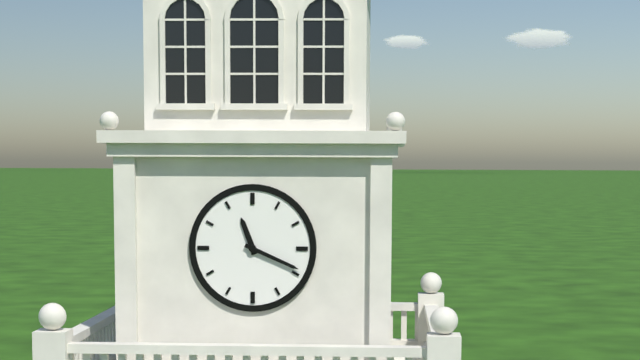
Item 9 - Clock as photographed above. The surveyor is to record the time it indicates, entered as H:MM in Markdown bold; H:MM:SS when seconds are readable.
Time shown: **11:19**
